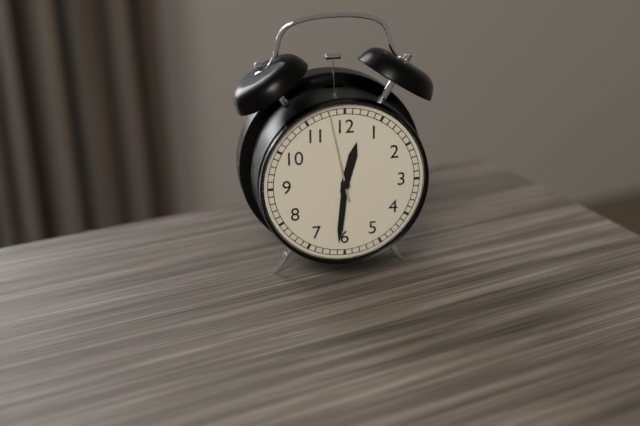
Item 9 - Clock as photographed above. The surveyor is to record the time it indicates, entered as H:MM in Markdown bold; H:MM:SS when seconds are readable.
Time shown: **12:31:58**
